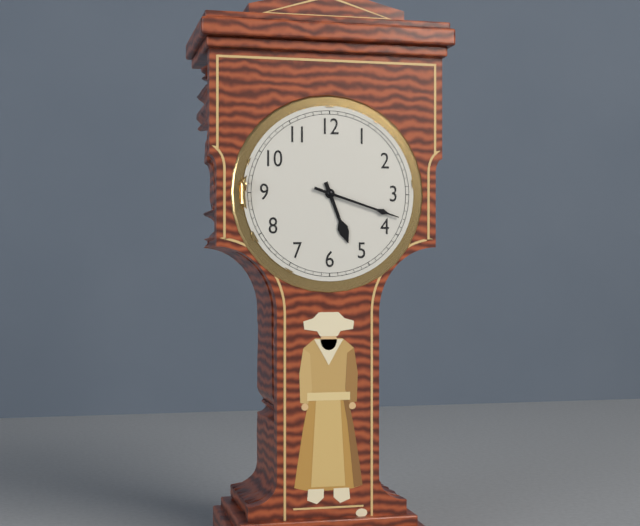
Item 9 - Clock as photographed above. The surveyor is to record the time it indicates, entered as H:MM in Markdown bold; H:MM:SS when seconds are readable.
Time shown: **5:18**
